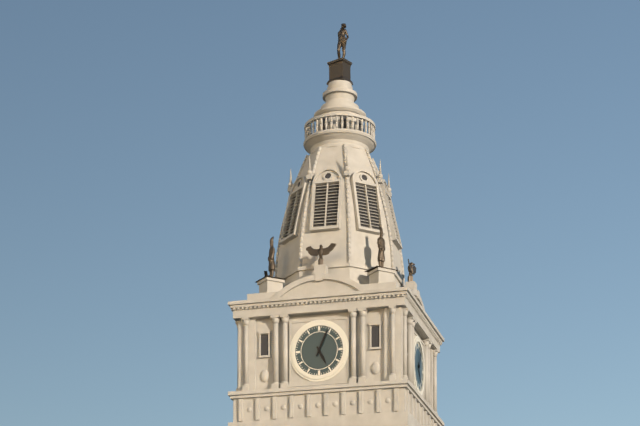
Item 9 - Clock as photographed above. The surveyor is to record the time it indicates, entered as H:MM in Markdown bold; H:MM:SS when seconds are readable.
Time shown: **5:04**
